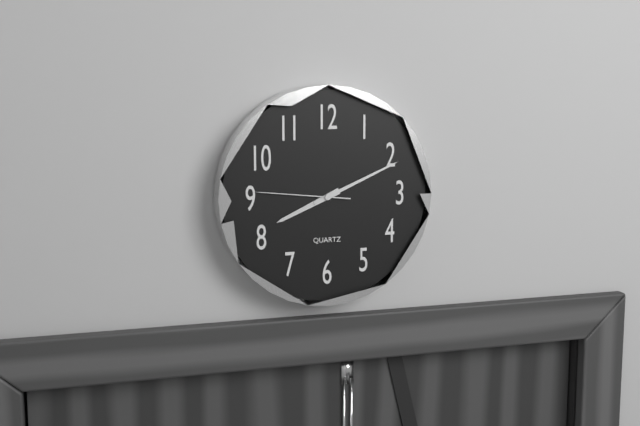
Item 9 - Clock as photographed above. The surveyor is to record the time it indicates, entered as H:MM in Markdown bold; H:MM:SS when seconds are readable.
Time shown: **8:11:46**
